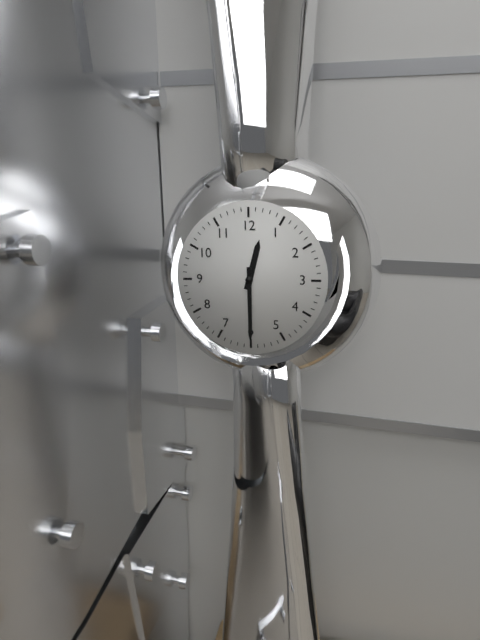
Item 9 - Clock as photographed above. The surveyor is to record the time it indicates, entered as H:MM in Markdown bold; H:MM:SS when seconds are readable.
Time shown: **12:30**
